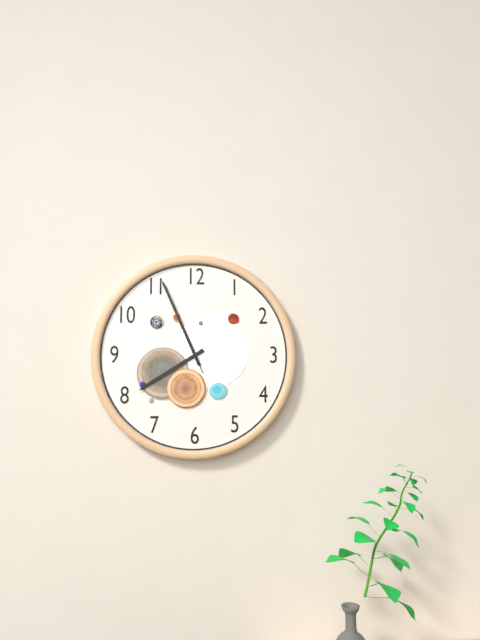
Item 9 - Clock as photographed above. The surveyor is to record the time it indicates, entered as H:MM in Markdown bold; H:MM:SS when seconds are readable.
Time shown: **7:56:56**
